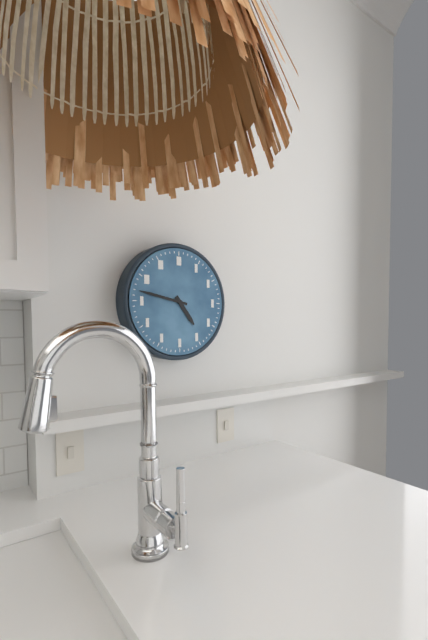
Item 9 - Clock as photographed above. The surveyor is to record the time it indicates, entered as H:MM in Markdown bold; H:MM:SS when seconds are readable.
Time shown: **4:47**
